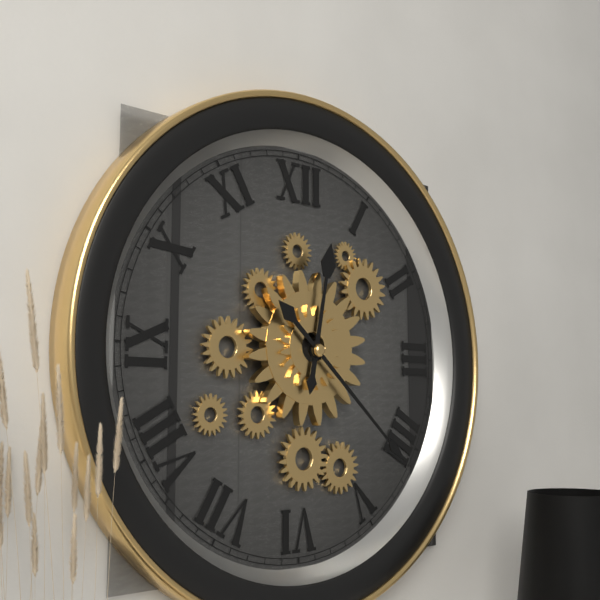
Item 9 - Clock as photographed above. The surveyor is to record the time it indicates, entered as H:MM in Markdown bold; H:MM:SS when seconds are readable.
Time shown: **12:22**
